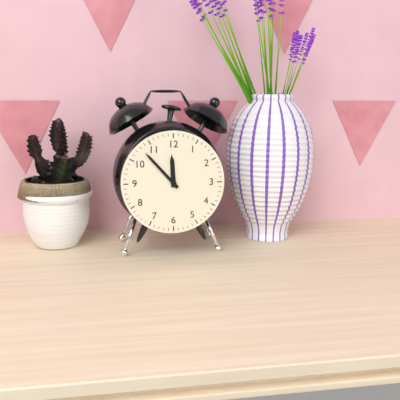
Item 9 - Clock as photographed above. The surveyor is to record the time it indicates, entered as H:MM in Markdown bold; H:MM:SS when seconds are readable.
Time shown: **11:53**
